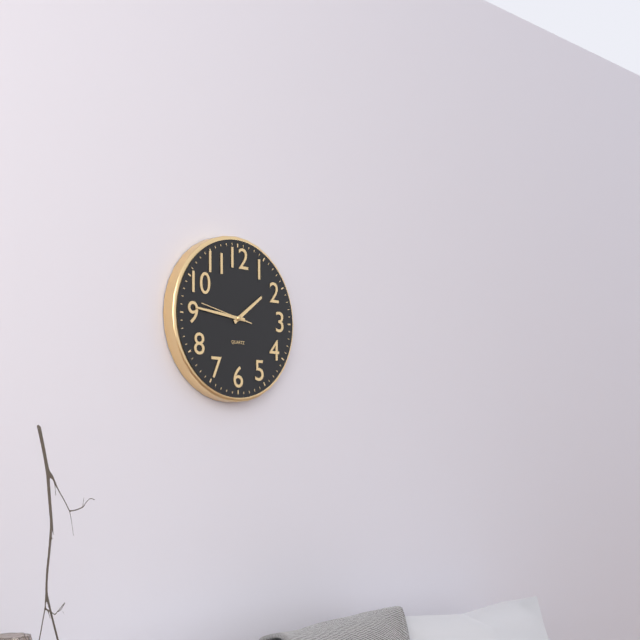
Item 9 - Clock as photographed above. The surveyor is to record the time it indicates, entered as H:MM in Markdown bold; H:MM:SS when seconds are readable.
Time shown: **1:46**
